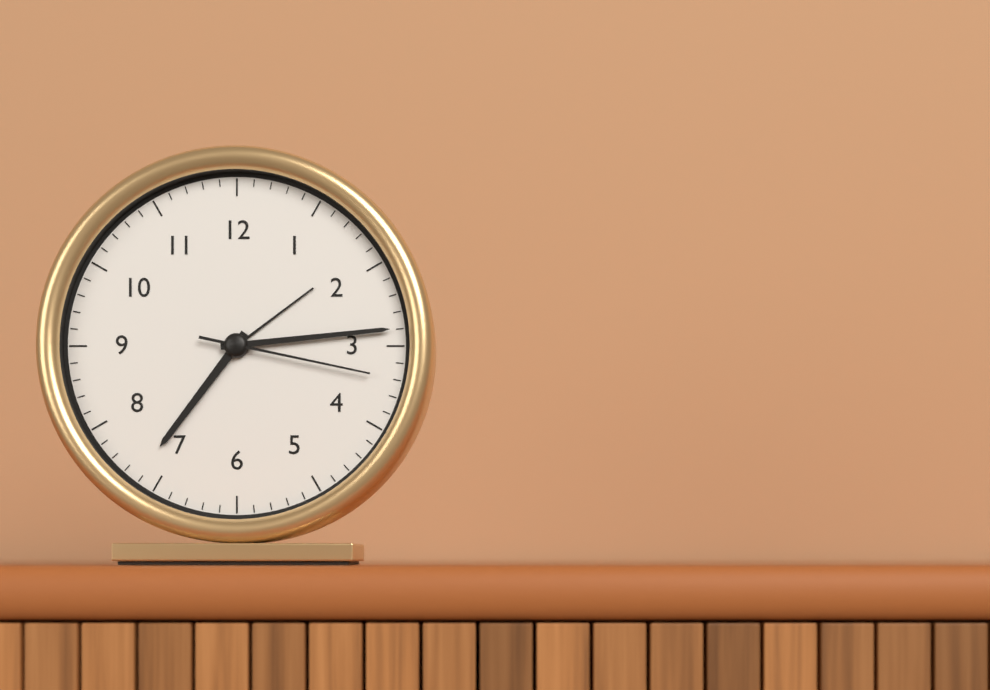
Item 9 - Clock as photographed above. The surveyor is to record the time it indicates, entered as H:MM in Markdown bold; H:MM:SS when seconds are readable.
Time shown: **7:14:17**
